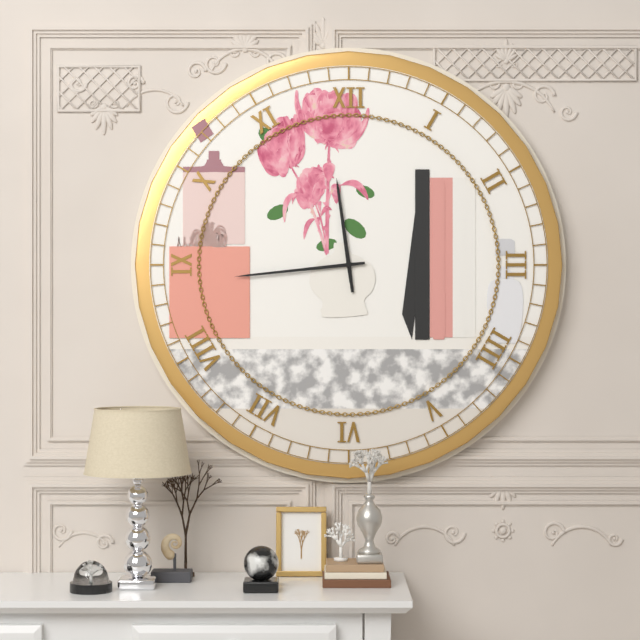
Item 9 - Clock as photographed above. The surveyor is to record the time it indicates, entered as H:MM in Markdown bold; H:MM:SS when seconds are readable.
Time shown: **11:44**
